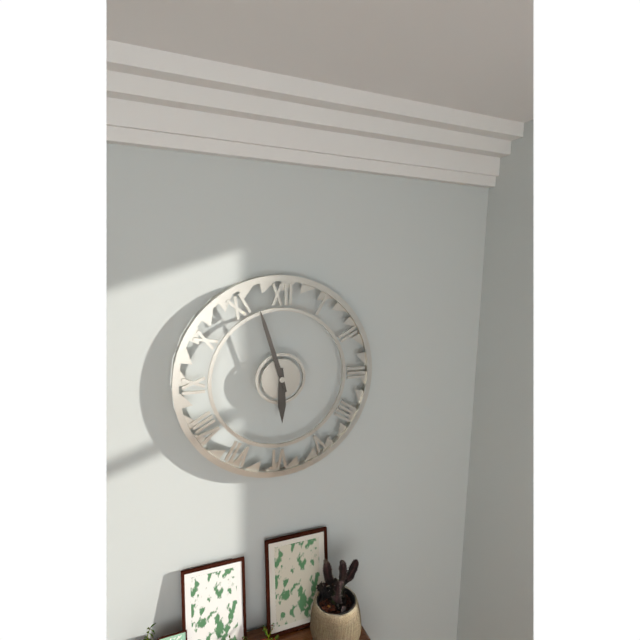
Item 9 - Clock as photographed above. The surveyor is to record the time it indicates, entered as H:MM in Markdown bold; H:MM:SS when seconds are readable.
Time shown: **5:57**
